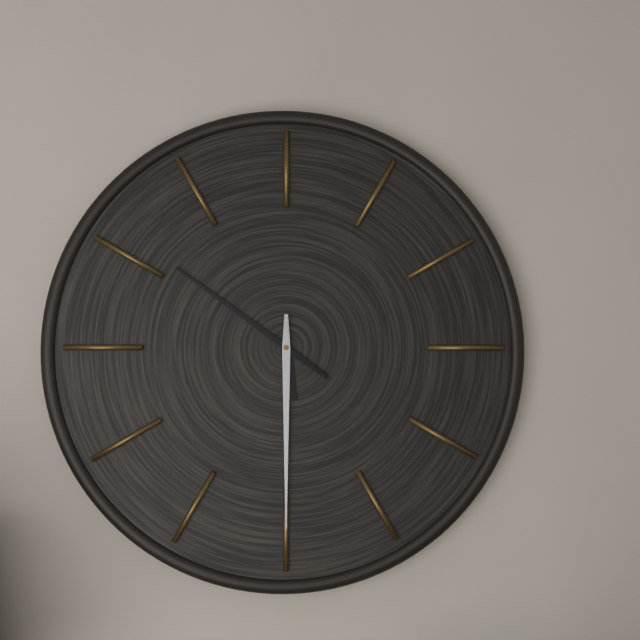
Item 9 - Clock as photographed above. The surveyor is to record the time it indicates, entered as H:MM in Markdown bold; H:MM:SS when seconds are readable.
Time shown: **5:51:30**
